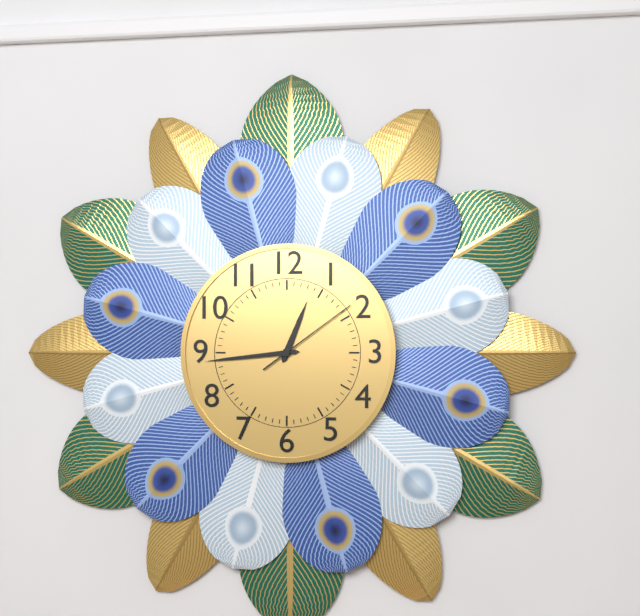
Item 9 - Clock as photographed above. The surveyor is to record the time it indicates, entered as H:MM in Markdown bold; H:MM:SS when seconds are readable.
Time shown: **12:44:09**
